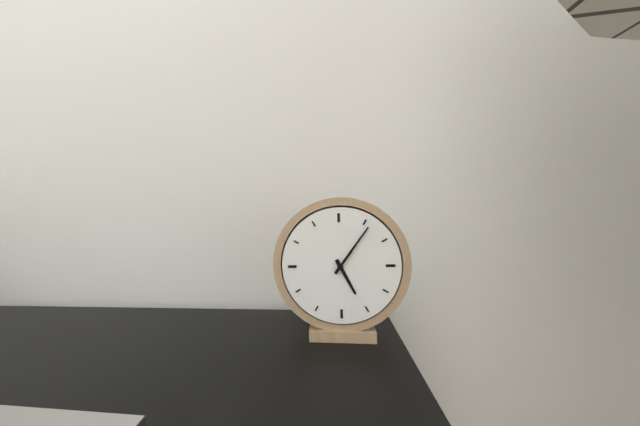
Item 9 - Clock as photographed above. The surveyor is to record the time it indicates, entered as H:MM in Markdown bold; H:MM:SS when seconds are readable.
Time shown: **5:06**
